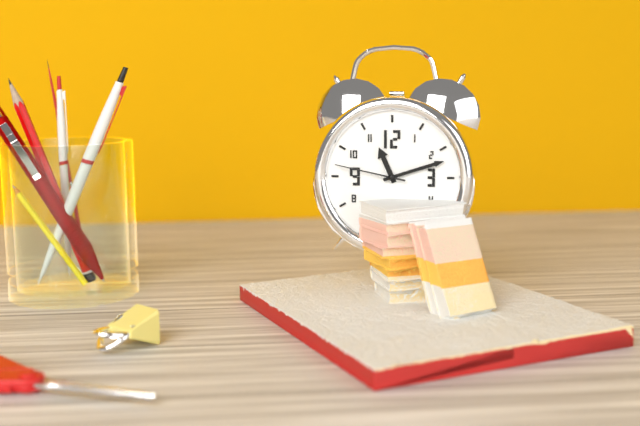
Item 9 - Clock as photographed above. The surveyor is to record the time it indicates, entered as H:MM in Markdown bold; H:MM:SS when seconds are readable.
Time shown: **11:12:47**
